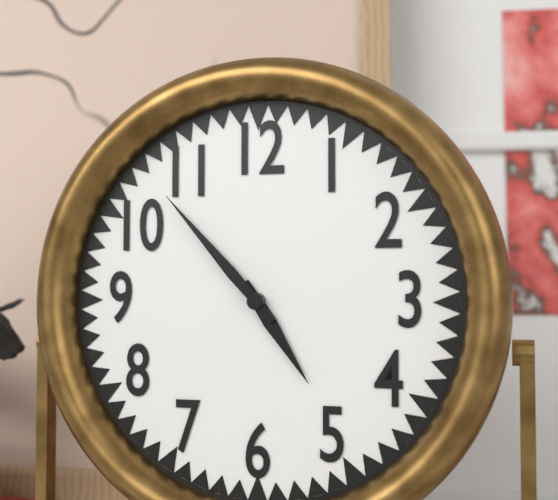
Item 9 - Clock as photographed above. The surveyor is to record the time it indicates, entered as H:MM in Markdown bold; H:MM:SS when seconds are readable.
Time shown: **4:53**
